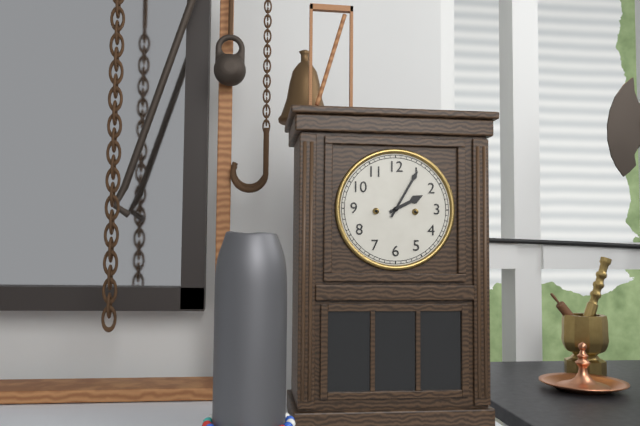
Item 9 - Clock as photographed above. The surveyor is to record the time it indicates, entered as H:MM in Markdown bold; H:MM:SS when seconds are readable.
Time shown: **2:05**
